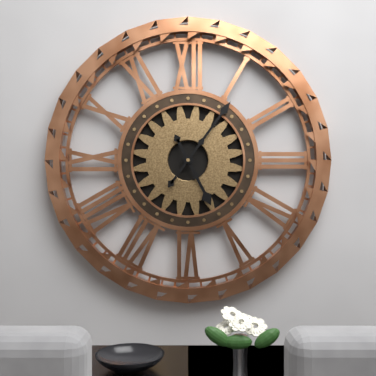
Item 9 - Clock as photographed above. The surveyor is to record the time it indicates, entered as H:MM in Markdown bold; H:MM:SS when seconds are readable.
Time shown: **5:06**
